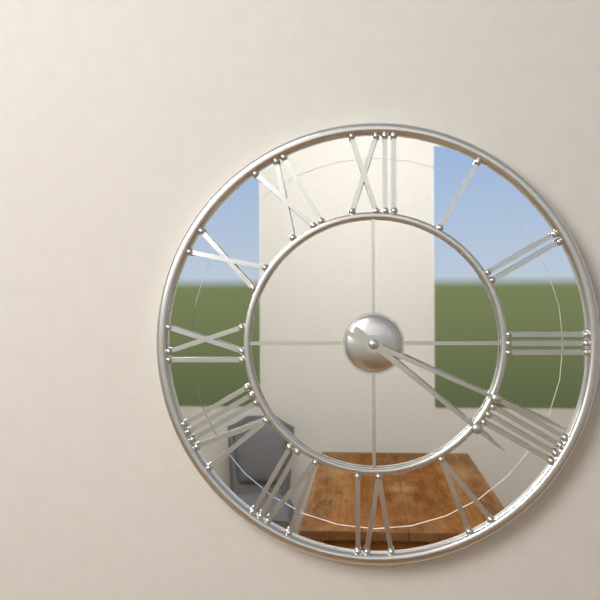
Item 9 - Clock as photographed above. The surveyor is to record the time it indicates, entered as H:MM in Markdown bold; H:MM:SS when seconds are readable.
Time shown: **4:19**
